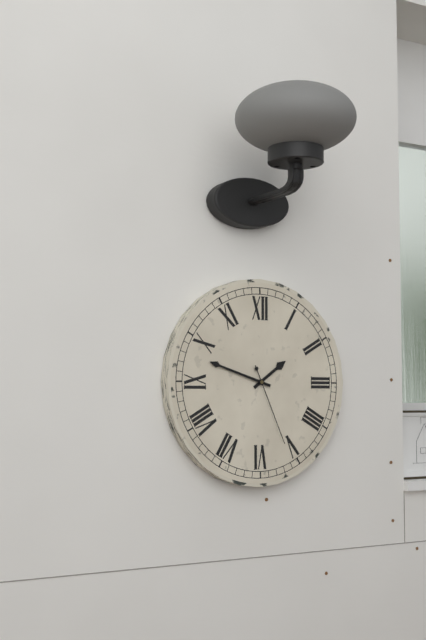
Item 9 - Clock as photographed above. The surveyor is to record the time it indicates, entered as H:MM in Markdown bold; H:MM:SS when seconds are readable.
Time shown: **1:48:26**
